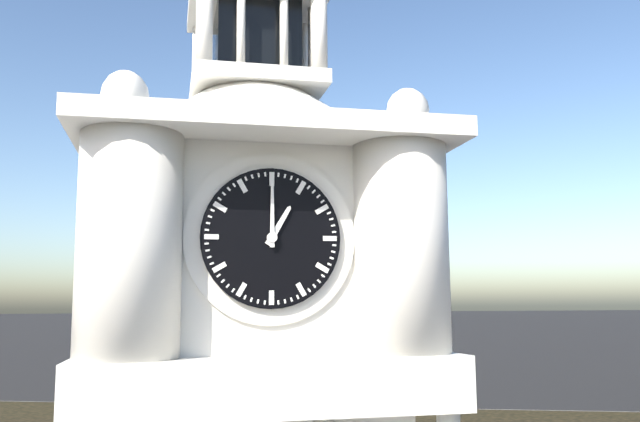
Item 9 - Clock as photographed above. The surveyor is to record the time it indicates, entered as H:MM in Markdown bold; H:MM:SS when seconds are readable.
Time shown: **1:00**
